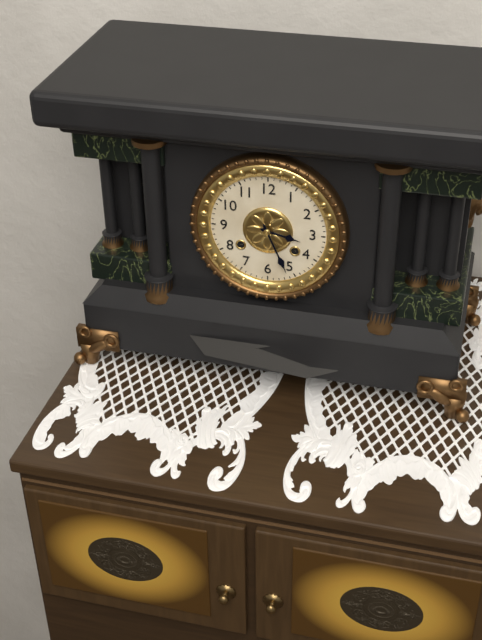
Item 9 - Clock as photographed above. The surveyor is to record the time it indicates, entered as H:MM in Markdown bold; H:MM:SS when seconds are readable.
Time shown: **3:26**
